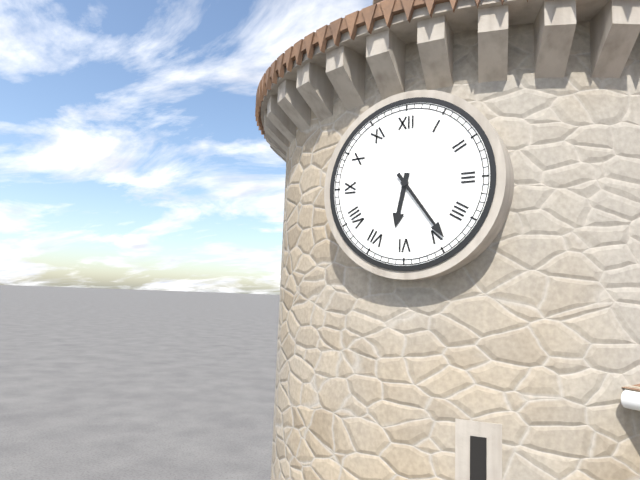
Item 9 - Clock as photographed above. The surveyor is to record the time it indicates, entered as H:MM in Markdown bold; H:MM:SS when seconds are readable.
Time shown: **6:24**
